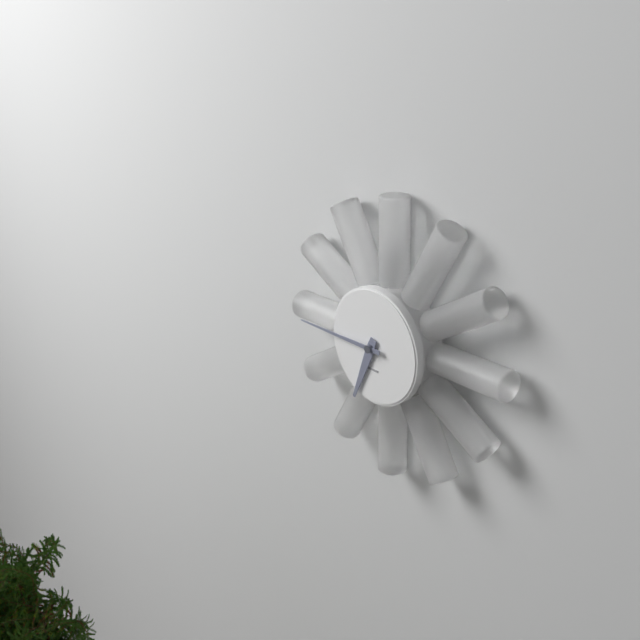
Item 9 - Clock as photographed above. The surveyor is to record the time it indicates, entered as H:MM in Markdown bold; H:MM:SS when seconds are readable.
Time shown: **6:45**
